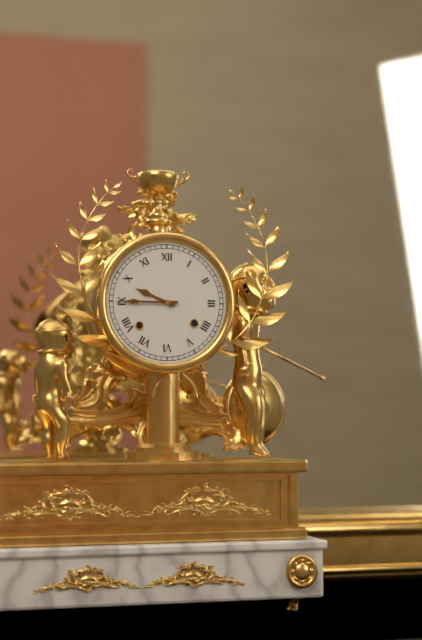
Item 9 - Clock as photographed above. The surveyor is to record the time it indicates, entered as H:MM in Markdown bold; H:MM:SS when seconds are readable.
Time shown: **9:45**
